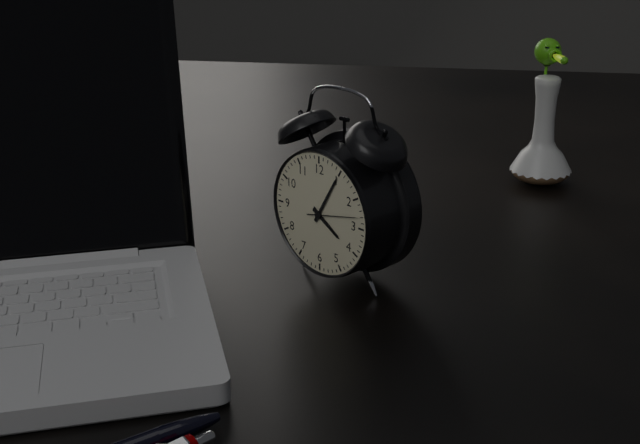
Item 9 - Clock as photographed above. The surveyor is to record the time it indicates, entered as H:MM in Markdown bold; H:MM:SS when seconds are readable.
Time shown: **4:05**
